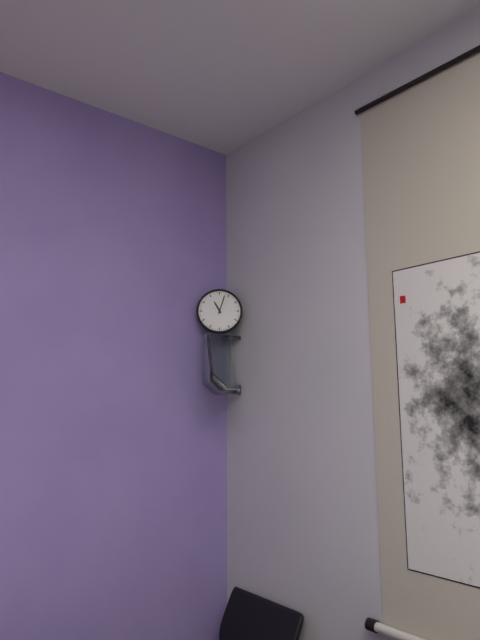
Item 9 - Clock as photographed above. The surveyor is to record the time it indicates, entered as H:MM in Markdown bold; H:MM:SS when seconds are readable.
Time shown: **11:03**
